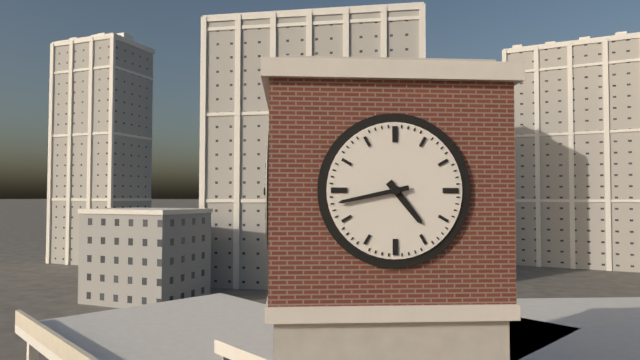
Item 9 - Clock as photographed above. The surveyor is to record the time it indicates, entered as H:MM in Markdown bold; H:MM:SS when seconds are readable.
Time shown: **4:43**
